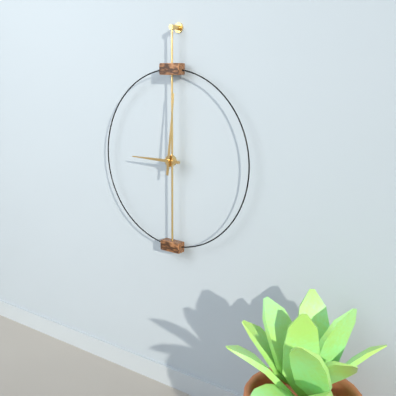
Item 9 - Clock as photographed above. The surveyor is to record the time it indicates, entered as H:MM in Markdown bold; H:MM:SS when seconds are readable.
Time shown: **9:01**
